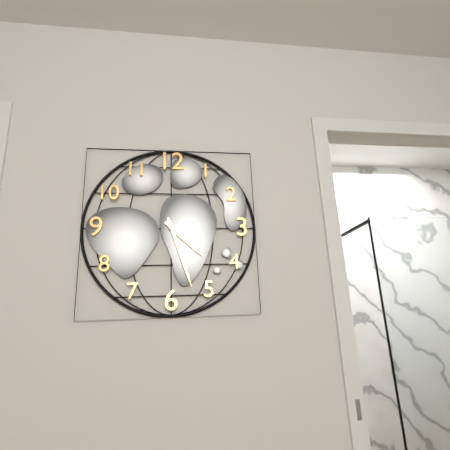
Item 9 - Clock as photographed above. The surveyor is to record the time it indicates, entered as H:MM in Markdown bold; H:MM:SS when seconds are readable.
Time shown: **4:27**
